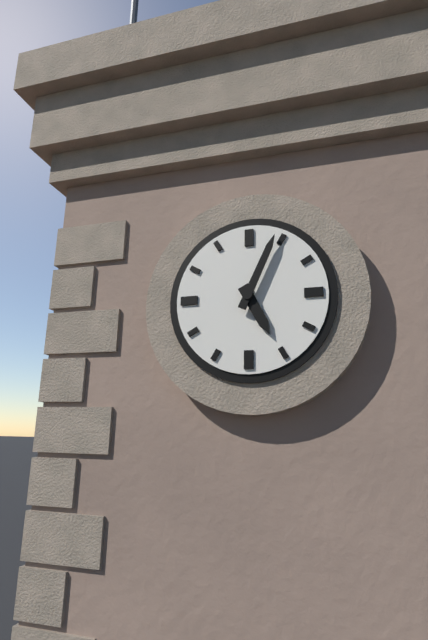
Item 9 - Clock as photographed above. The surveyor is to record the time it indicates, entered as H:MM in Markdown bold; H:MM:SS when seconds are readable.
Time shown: **5:04**
